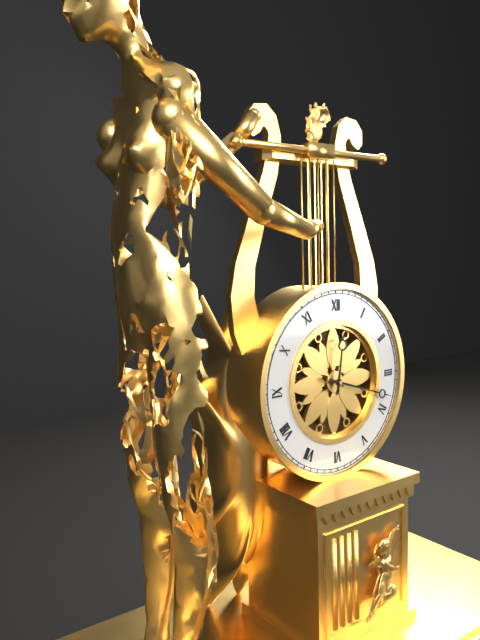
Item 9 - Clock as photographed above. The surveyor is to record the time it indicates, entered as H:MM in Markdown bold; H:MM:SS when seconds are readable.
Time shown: **12:18**
